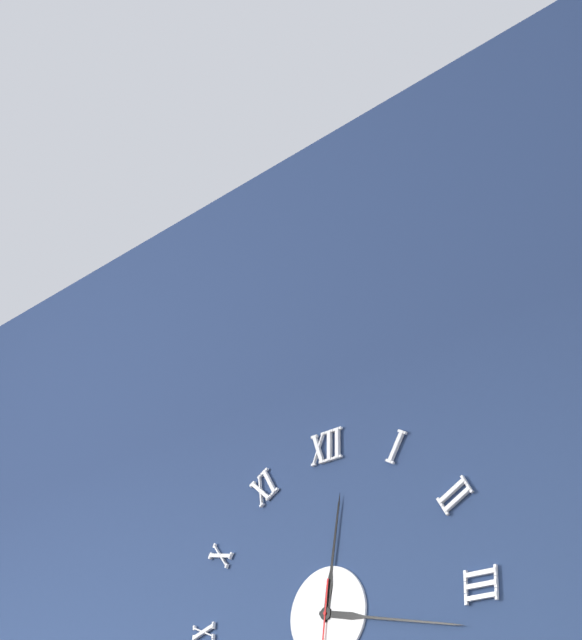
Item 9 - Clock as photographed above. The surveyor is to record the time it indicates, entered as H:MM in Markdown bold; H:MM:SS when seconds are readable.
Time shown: **12:17**
